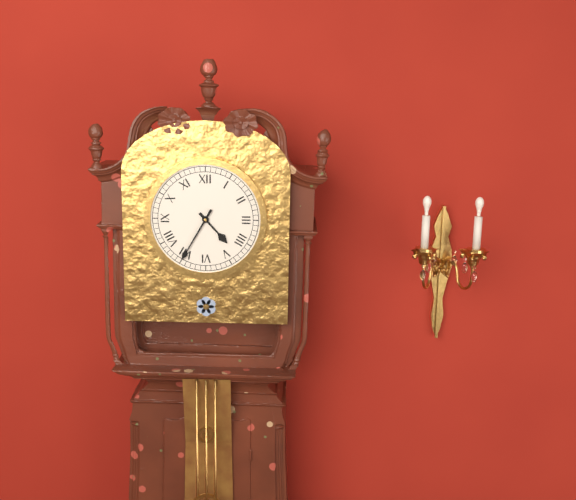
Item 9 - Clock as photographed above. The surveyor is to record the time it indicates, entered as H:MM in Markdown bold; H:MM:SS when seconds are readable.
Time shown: **4:35**
